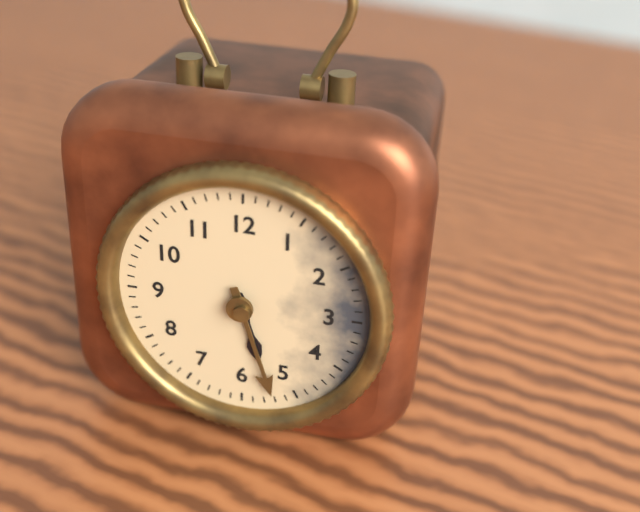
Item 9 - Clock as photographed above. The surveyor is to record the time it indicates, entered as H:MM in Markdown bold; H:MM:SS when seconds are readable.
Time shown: **5:27**
